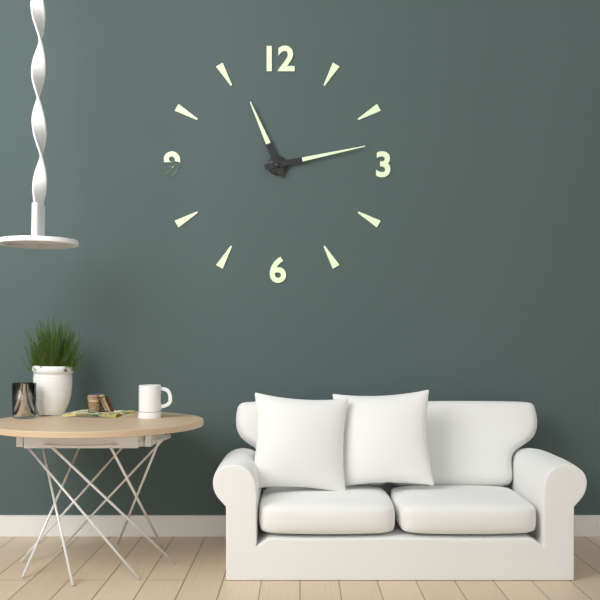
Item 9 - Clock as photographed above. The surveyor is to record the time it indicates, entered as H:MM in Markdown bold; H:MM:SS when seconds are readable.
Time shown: **11:13**
